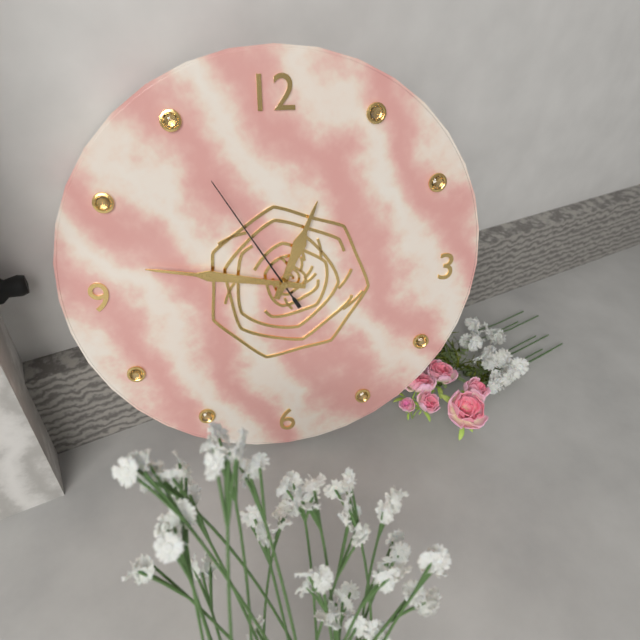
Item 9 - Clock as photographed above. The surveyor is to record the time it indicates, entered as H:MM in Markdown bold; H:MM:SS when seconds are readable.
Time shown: **12:47:55**
